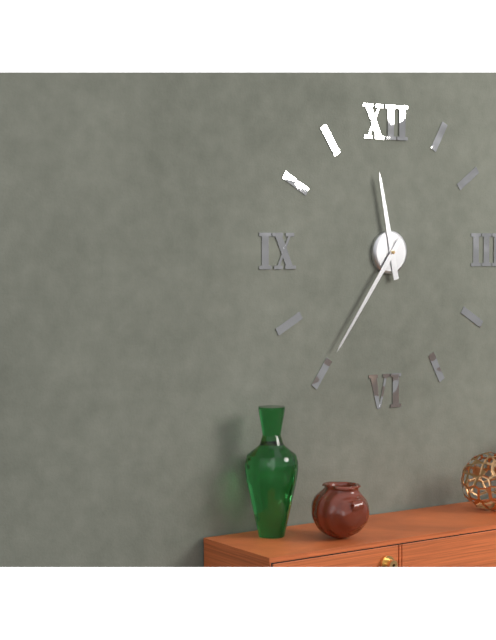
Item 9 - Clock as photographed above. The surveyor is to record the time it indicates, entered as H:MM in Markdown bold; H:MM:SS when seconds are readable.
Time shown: **11:36**
